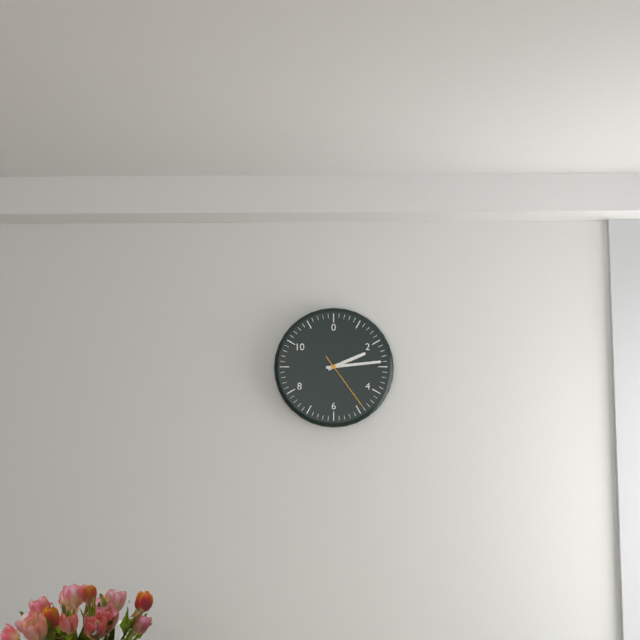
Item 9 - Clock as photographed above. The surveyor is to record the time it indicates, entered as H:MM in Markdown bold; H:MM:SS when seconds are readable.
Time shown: **2:14:24**
